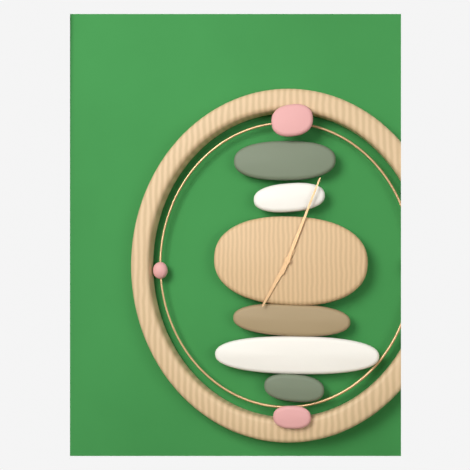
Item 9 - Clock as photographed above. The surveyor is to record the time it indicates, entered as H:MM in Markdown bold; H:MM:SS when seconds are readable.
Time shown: **7:04**
